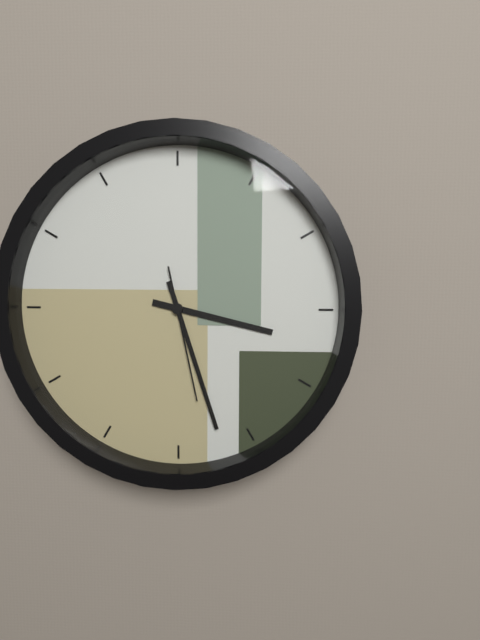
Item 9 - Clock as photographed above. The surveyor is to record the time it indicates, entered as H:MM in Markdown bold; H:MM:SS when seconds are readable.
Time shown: **3:27:28**
